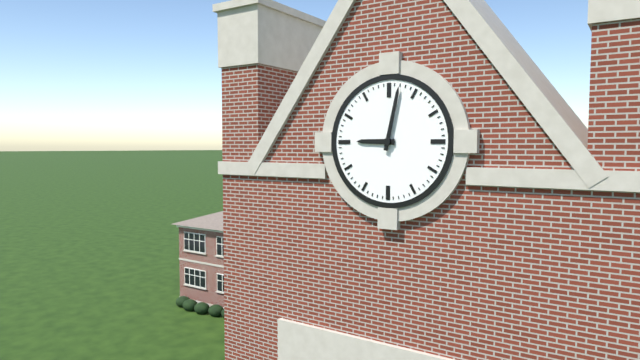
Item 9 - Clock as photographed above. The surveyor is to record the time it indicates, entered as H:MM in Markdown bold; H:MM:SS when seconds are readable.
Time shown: **9:02**
